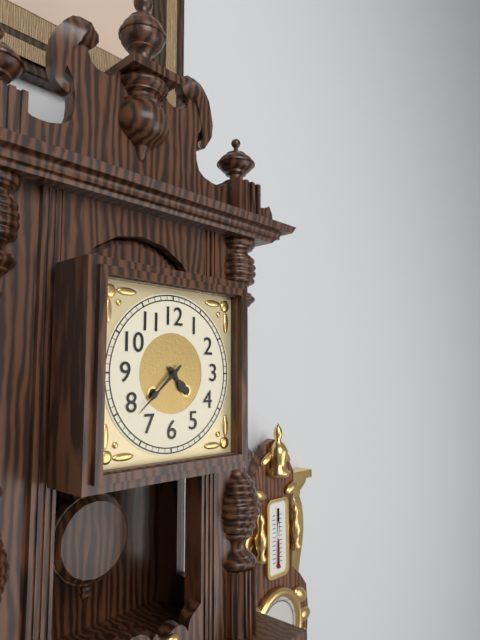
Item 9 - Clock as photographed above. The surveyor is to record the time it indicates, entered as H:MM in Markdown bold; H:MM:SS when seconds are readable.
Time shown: **4:38**
